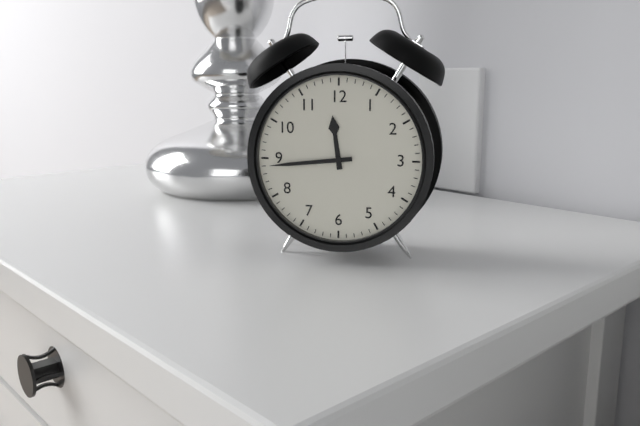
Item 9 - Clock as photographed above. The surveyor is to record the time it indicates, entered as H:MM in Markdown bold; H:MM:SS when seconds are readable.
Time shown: **11:44**
